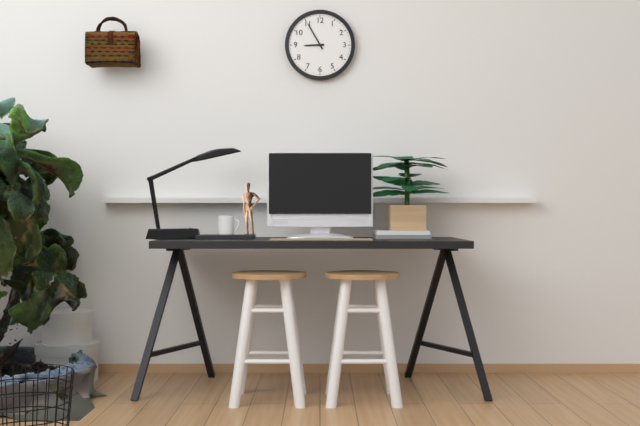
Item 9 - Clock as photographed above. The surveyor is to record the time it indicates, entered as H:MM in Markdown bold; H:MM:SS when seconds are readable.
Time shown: **8:55**
